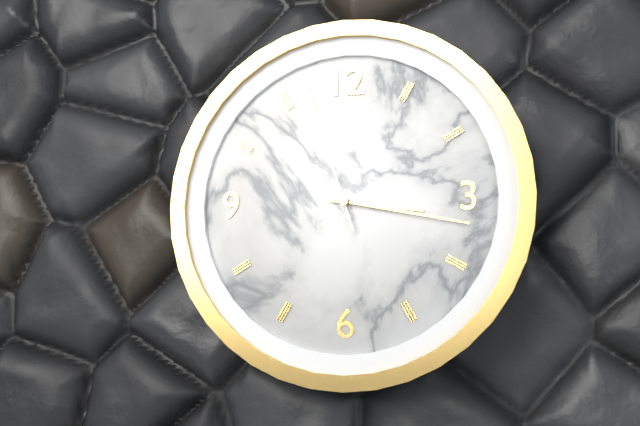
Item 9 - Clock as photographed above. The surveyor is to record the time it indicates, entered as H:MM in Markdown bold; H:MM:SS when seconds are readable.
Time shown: **3:17:57**
